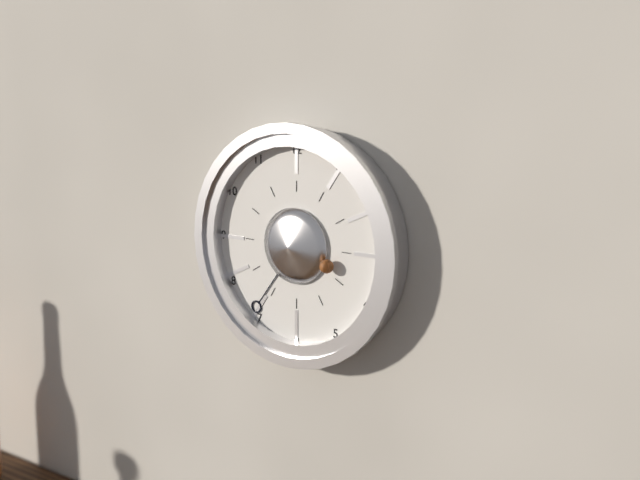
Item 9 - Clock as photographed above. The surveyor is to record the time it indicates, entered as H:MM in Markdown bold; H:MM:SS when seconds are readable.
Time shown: **3:36**
